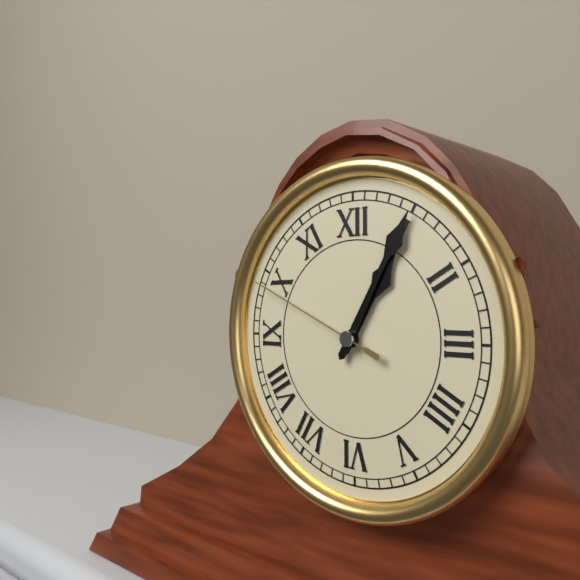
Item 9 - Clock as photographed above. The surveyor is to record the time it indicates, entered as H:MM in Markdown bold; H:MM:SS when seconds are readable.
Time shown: **1:05:49**
